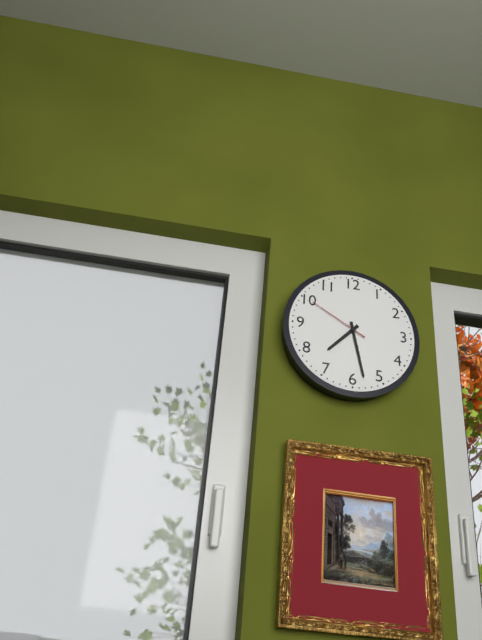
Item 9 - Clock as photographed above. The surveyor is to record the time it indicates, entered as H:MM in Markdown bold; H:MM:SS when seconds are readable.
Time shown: **7:28:50**
